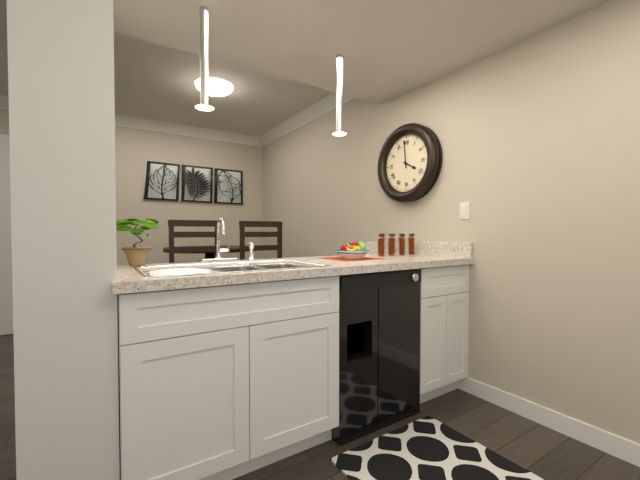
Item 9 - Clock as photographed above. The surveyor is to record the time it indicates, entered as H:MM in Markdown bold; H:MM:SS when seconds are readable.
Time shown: **3:59**
